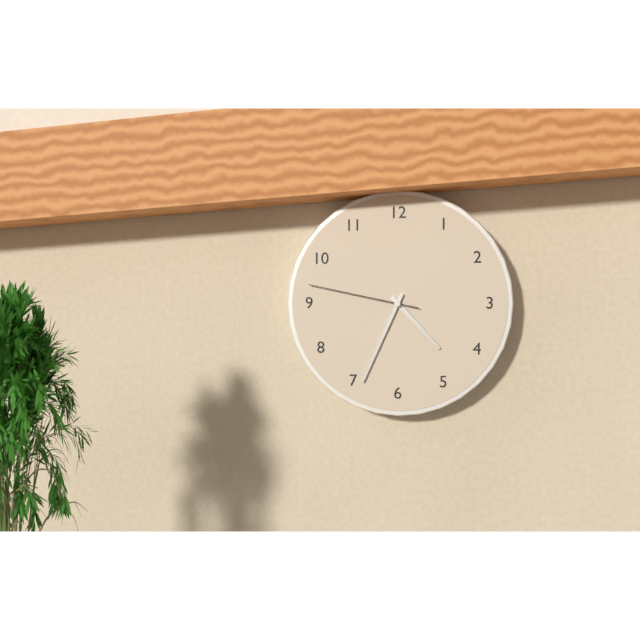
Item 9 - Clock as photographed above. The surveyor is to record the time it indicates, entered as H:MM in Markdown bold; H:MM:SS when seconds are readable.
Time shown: **4:34:47**
